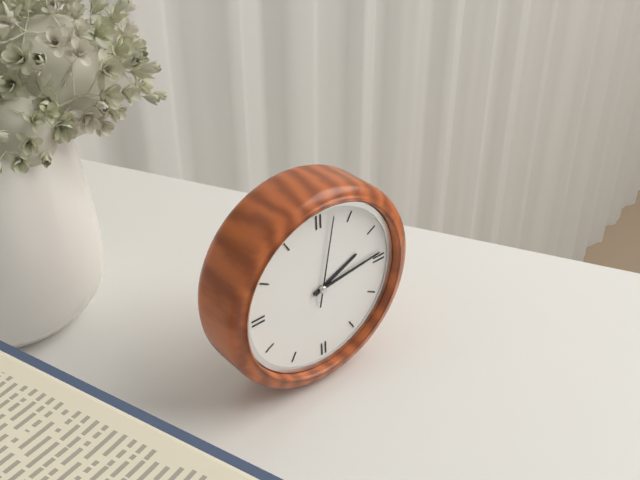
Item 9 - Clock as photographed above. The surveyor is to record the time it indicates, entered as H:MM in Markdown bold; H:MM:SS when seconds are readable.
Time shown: **2:14:02**
